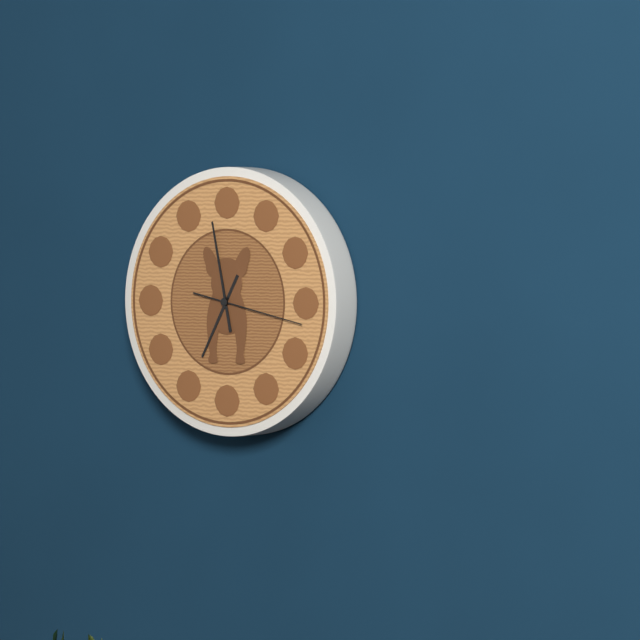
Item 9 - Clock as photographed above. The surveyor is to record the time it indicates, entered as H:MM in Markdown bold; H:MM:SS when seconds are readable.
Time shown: **6:58:17**
